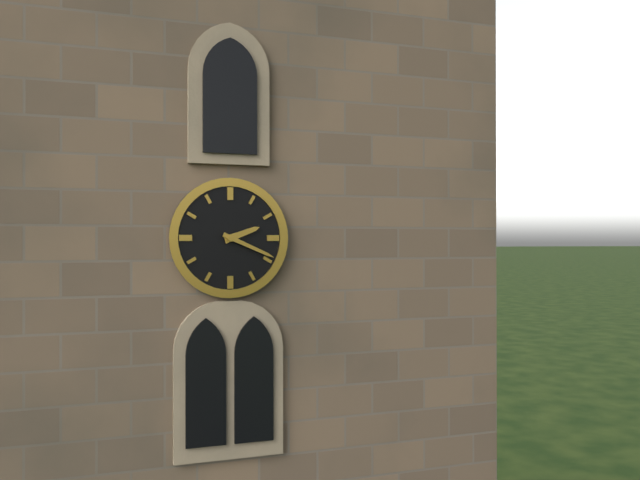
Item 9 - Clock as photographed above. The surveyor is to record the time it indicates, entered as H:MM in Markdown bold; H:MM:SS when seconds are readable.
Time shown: **2:19**
